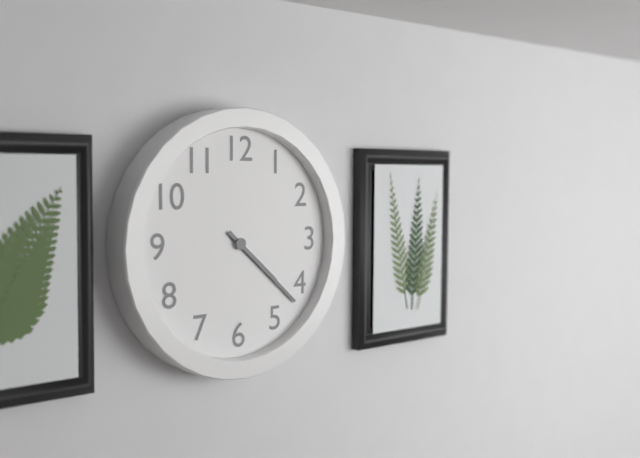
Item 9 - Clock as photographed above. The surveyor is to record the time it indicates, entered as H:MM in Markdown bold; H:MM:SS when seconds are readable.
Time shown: **4:22**
